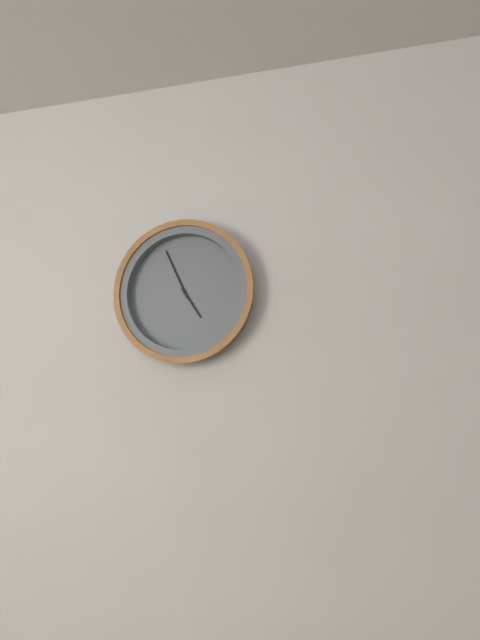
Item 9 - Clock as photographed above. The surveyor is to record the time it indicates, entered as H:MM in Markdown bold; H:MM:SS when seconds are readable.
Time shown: **4:56**
